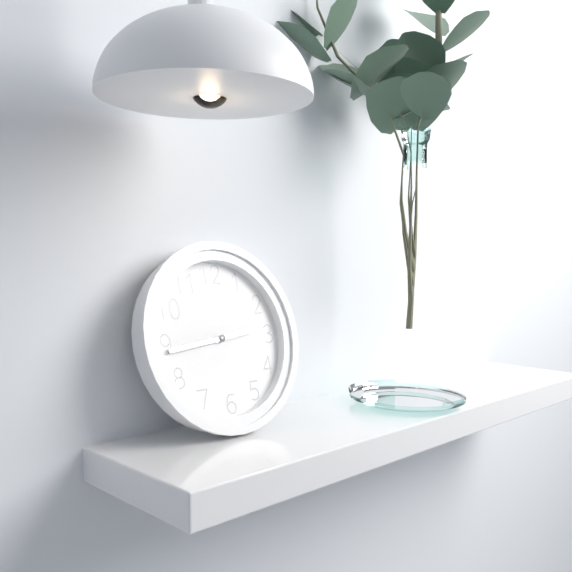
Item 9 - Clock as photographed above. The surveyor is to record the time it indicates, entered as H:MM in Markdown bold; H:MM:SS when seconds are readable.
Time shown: **2:44**
